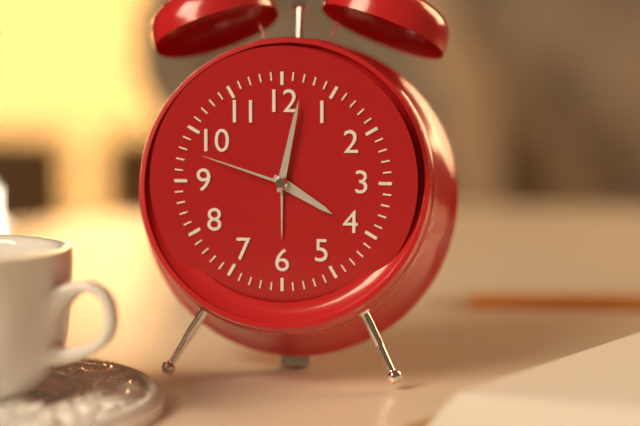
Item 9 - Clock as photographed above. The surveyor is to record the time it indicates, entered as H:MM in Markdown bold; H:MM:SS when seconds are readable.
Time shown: **4:02:48**
